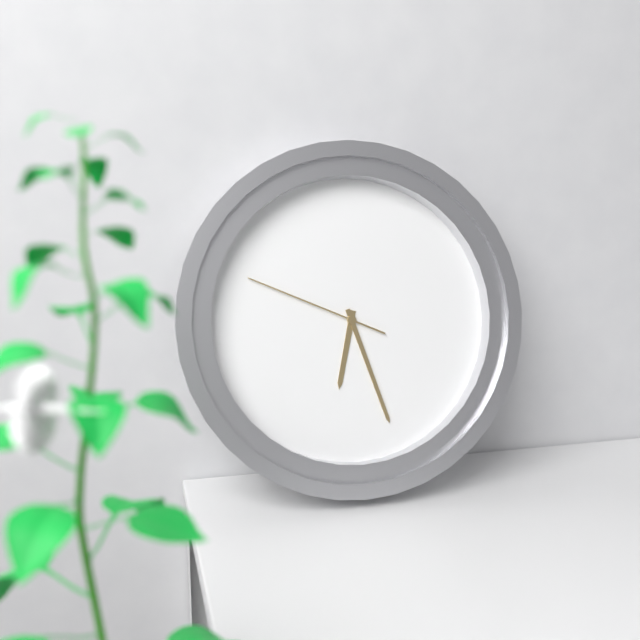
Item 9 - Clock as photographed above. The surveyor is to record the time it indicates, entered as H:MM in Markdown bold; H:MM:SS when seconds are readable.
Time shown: **6:27:49**
